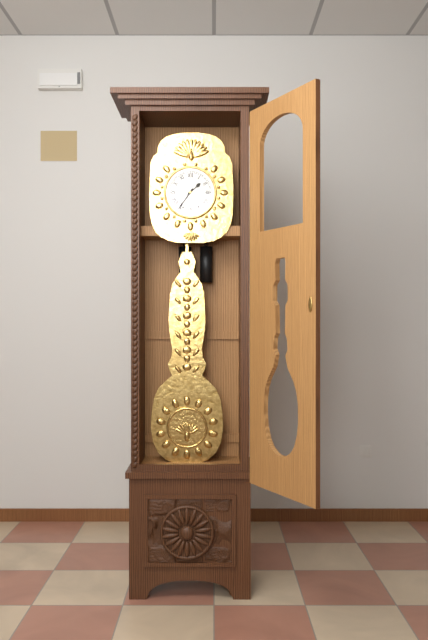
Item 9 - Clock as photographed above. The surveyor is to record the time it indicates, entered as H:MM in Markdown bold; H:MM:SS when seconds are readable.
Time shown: **1:36**
